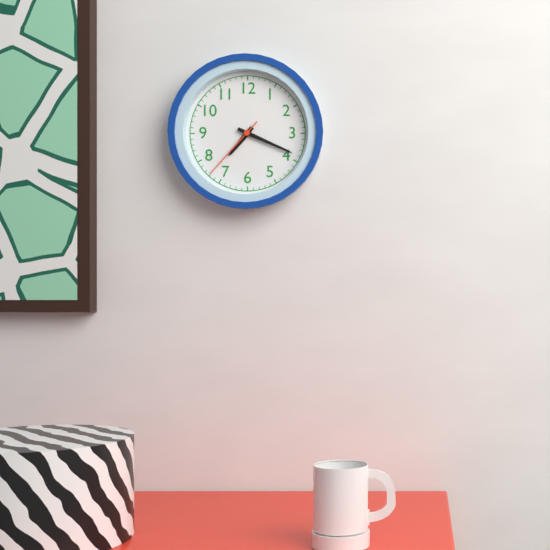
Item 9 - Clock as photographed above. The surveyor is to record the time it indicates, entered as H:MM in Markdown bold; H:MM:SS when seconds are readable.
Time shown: **7:19:37**
